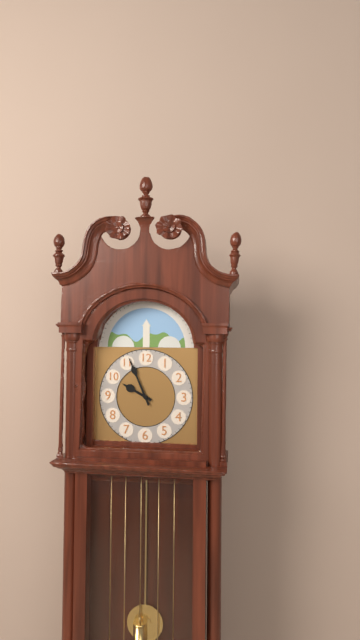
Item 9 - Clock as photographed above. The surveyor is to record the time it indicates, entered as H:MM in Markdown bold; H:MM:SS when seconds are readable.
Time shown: **9:56**
